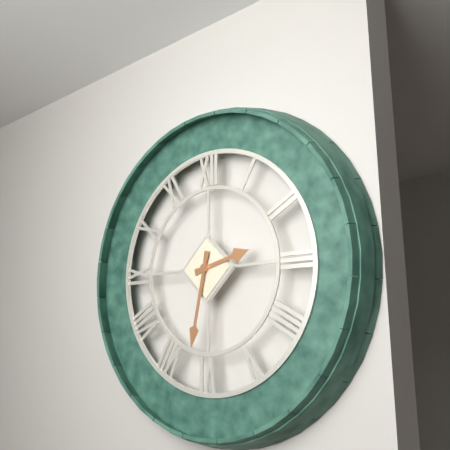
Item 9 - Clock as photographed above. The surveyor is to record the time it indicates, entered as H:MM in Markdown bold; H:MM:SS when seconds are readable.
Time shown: **2:32**
